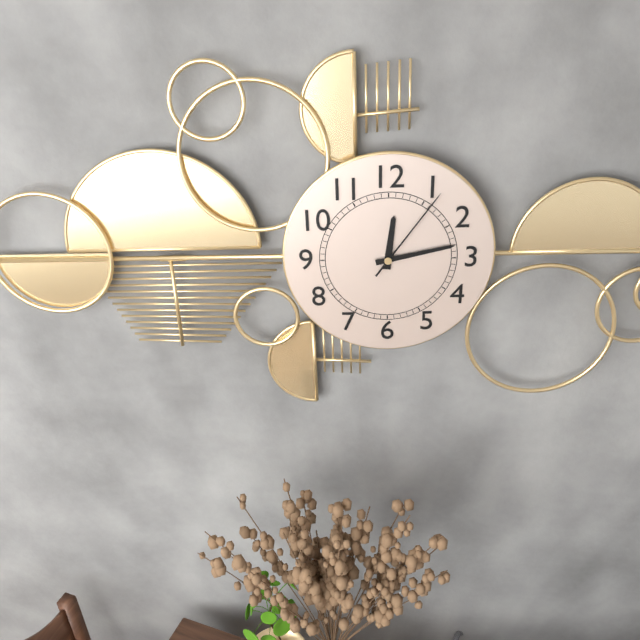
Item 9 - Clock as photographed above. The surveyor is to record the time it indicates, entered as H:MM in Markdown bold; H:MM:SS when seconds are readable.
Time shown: **12:13:06**
